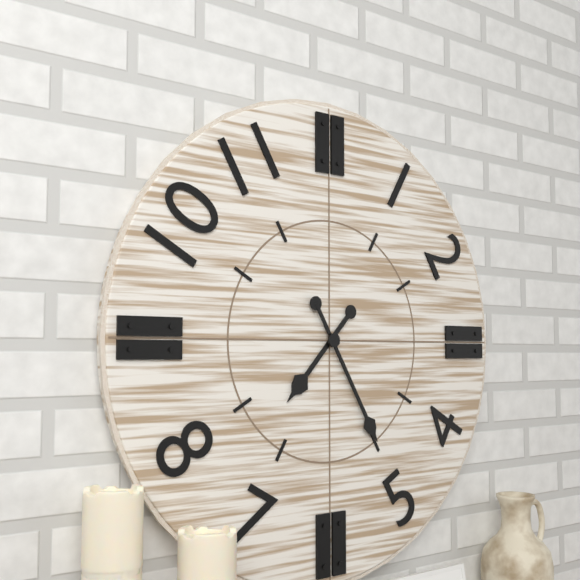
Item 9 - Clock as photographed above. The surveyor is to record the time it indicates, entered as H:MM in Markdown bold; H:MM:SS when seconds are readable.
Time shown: **7:25**
